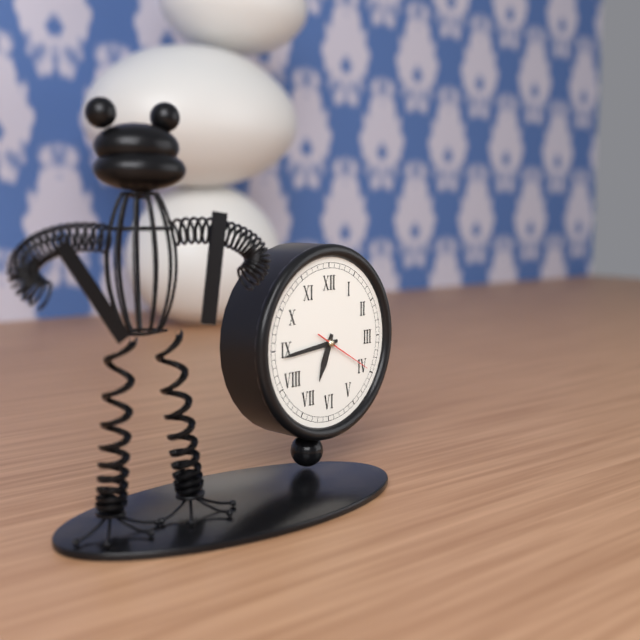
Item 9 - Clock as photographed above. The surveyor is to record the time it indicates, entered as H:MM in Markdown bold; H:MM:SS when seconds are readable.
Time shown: **6:44:20**
